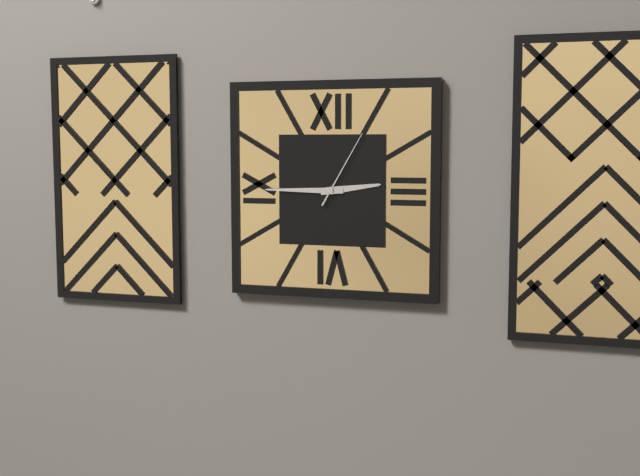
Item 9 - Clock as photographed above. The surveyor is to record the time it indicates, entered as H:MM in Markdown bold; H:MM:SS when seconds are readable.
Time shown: **2:45:05**
